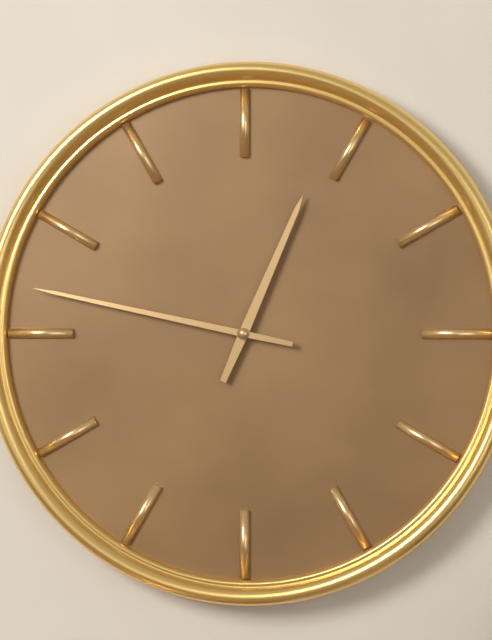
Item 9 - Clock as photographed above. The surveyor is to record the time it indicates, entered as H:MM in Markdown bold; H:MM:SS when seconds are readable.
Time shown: **12:47**
